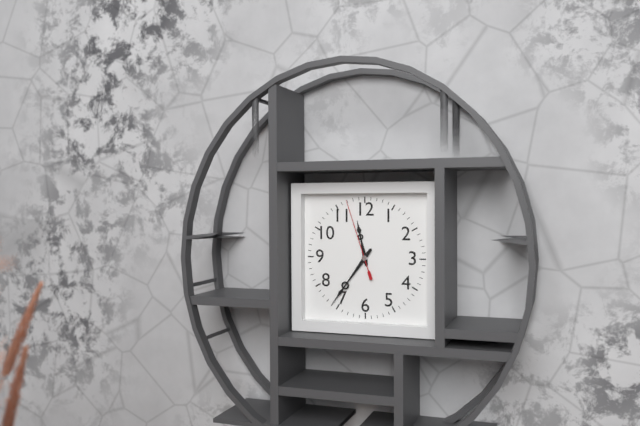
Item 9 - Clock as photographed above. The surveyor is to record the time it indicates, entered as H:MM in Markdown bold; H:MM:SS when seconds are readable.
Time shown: **11:36:57**
